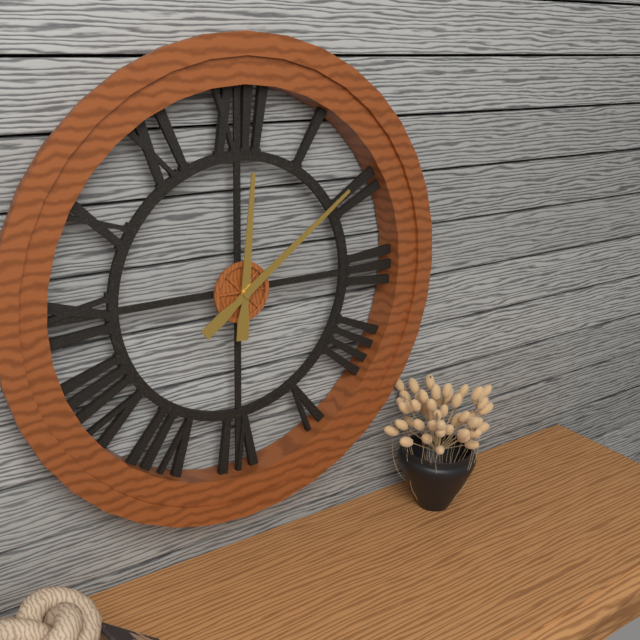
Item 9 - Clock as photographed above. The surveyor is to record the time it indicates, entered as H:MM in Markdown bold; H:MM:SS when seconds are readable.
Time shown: **12:09**
